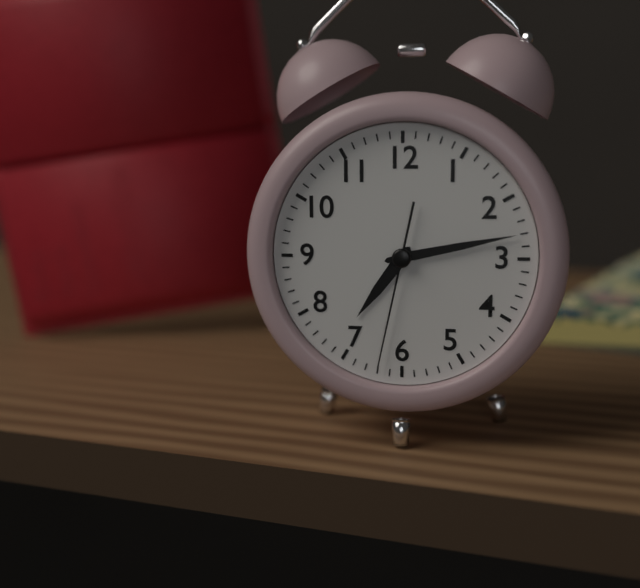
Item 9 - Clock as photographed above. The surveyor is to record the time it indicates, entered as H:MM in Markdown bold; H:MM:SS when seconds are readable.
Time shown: **7:13:32**
